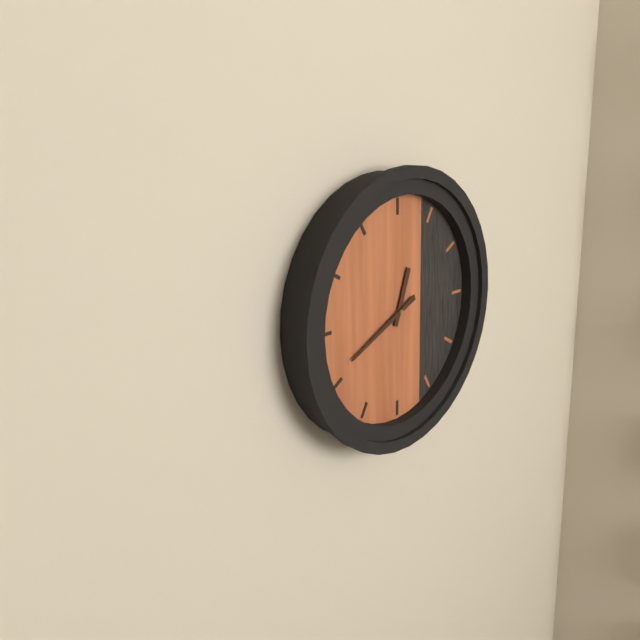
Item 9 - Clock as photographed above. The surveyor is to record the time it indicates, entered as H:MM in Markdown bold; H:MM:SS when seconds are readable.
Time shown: **12:41**
